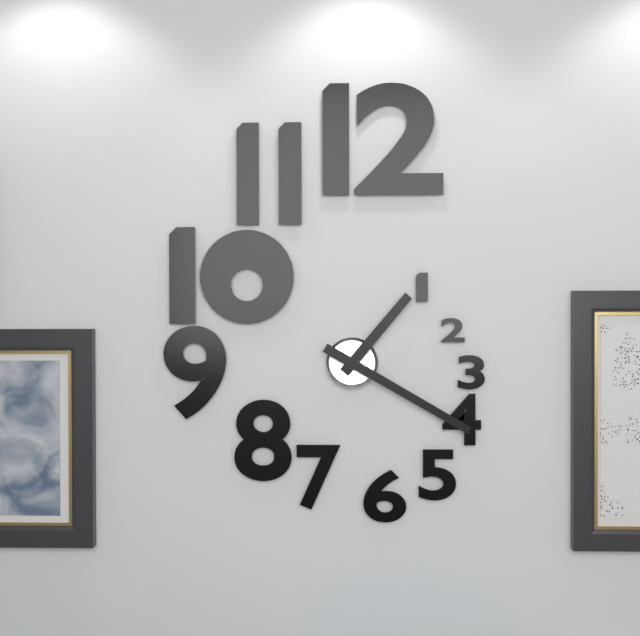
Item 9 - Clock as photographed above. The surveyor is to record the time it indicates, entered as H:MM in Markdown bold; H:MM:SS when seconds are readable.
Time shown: **1:20**
